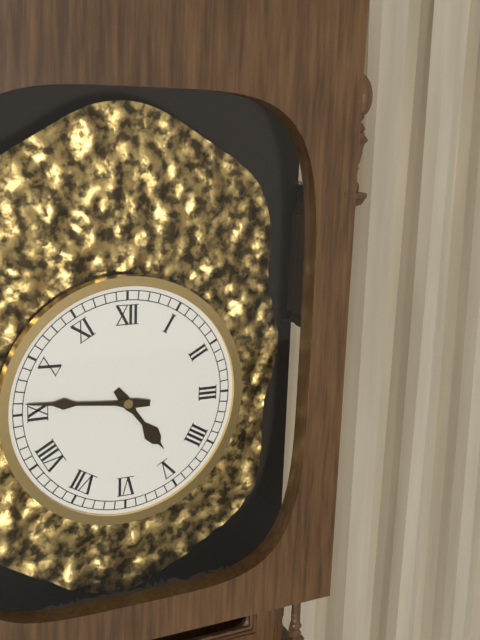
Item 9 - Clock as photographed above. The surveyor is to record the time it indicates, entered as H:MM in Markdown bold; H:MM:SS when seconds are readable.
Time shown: **4:46**
